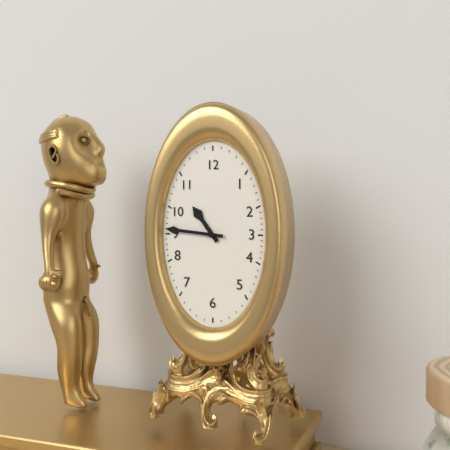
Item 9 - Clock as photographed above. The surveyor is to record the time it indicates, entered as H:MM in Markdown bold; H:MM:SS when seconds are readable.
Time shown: **10:46**
